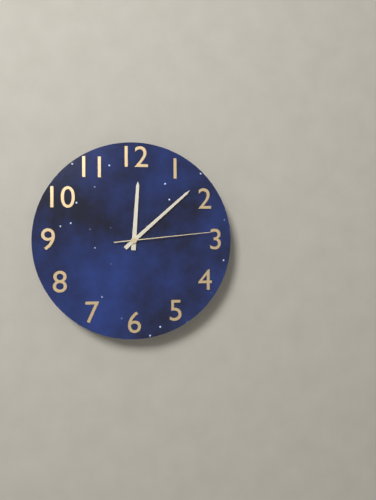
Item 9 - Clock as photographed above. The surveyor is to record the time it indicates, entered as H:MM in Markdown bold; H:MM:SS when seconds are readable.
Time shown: **12:08:14**
